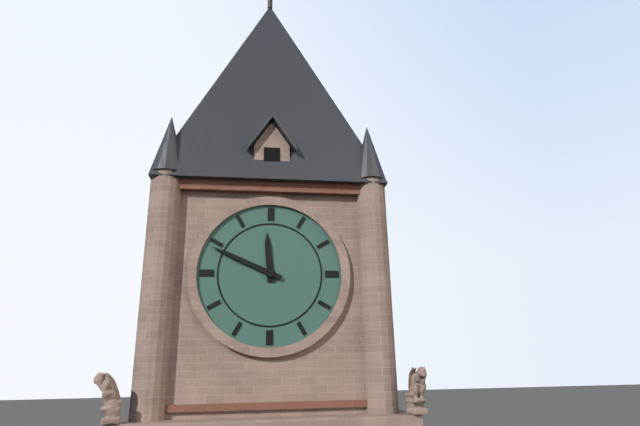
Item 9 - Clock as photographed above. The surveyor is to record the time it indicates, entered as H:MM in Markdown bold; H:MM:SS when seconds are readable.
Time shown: **11:49**
